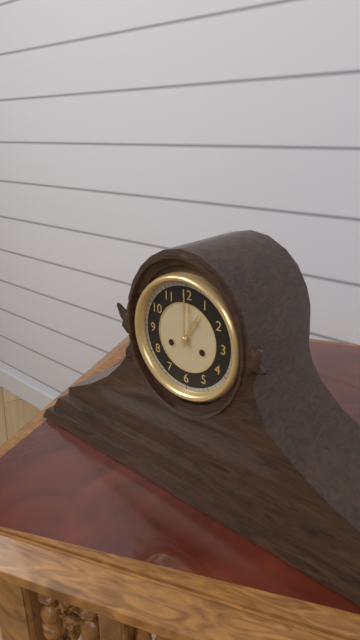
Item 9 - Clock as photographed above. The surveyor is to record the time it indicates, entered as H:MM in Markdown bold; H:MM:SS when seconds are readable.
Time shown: **1:00**
